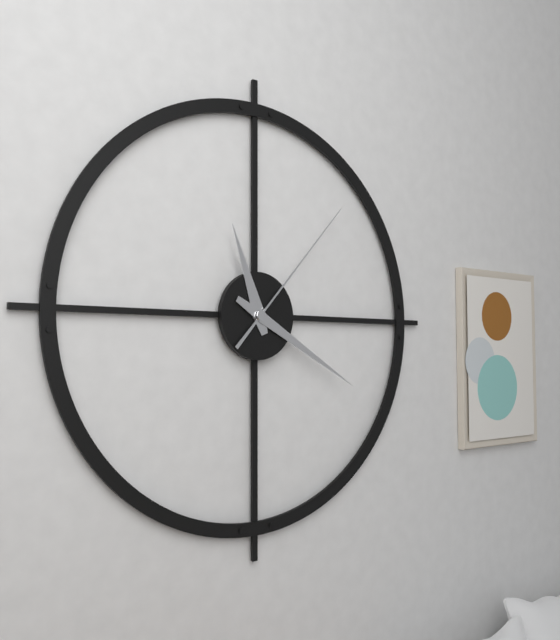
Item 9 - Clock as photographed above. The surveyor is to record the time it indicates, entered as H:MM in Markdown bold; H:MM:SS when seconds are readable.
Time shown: **11:20:07**
